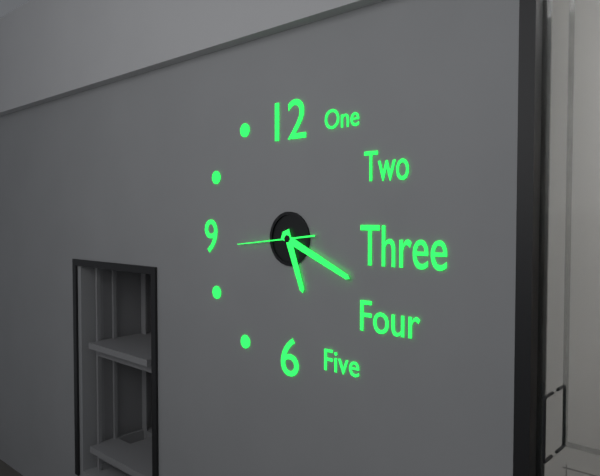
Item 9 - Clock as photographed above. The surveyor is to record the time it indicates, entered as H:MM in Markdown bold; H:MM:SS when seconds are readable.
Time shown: **5:19:44**
